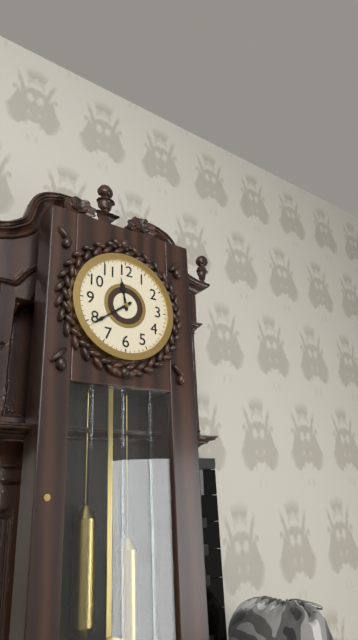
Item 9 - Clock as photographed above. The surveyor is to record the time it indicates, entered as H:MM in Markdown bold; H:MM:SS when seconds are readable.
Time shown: **11:39**
